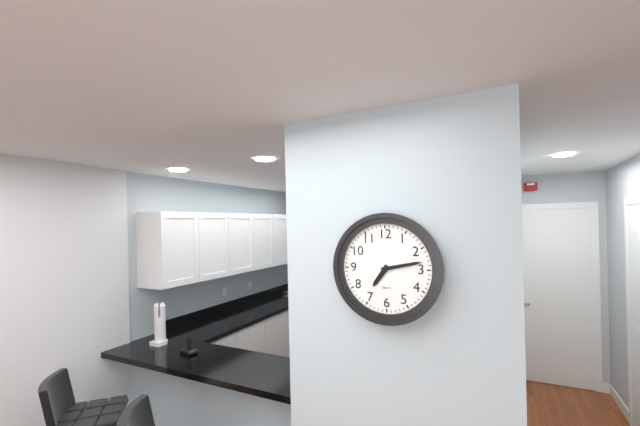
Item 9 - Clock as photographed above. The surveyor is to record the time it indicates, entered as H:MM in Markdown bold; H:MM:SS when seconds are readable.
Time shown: **7:13**
